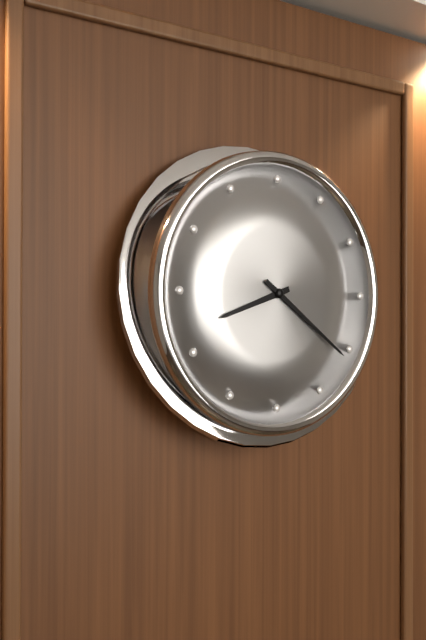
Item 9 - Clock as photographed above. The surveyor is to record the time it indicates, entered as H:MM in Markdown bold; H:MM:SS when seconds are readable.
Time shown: **8:21**
